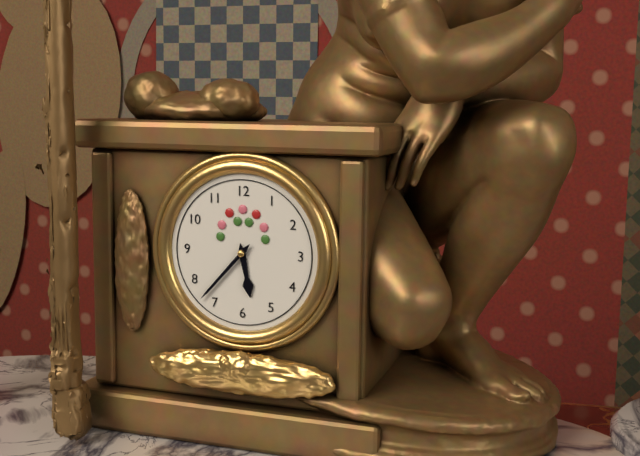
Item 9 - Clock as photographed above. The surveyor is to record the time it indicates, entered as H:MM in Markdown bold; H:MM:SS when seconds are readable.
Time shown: **5:37**
